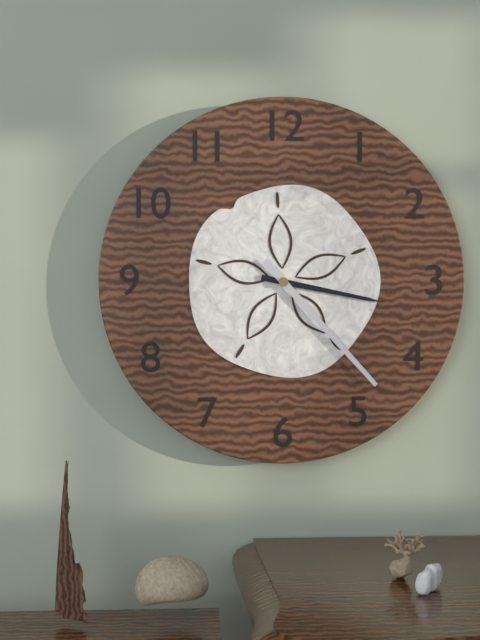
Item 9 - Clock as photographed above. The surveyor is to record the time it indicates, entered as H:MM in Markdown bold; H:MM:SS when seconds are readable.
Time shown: **3:23**
